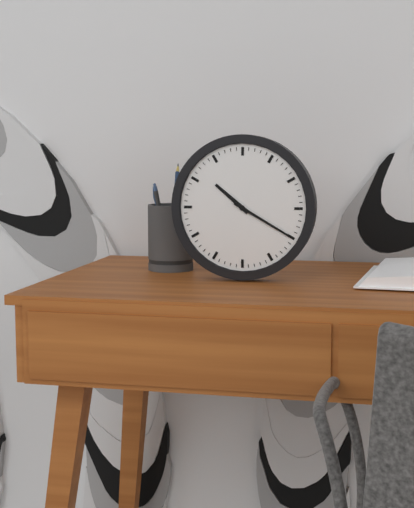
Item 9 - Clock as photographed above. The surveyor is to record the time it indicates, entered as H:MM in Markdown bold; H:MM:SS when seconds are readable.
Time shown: **10:20**
